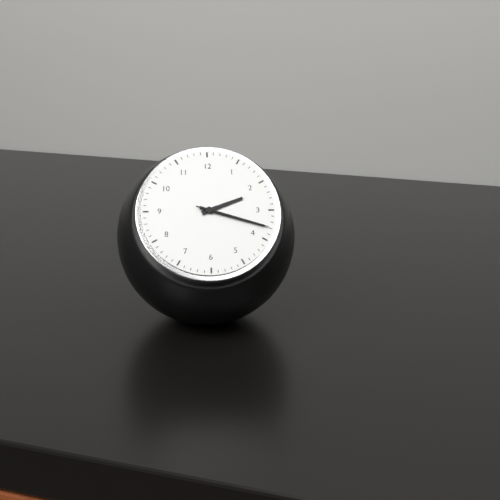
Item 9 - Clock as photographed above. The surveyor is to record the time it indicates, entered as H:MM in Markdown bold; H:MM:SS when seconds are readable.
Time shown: **2:18:18**
